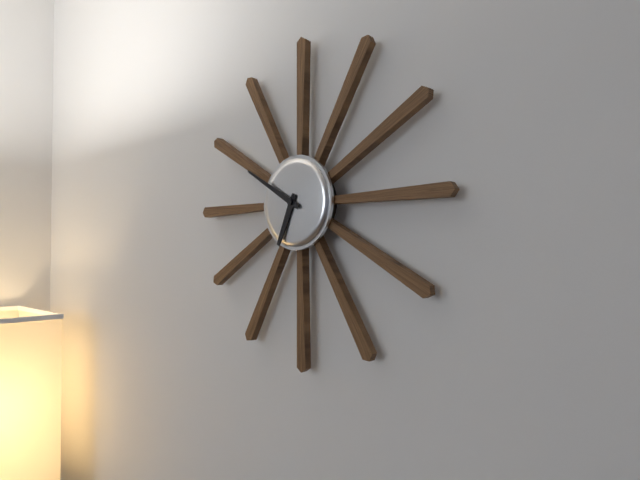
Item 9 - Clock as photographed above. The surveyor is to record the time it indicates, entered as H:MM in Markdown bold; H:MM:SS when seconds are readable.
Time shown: **6:50**
